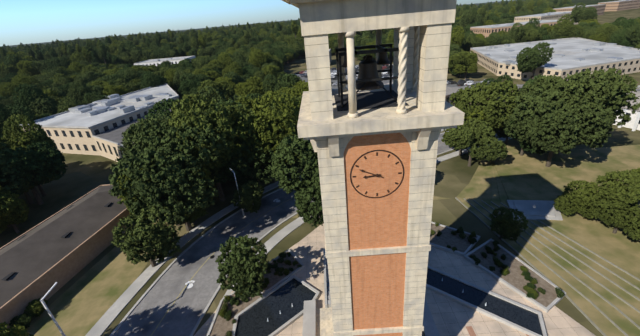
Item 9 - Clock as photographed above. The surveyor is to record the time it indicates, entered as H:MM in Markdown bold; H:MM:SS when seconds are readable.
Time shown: **8:49**
